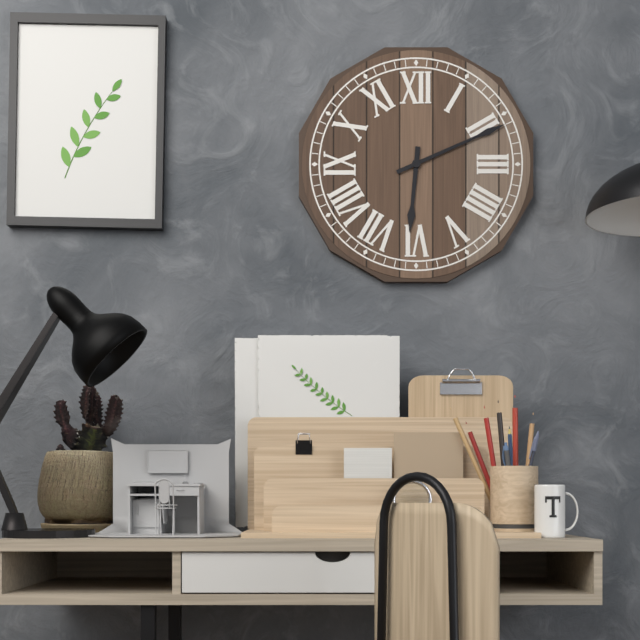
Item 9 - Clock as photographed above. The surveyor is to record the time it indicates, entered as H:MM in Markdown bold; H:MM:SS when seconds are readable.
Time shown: **6:11**
